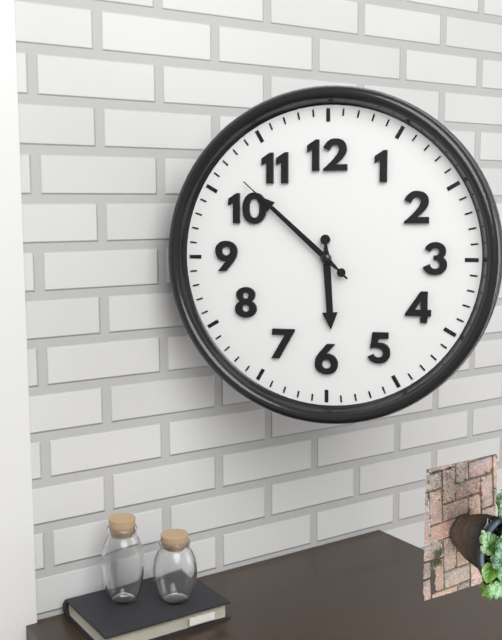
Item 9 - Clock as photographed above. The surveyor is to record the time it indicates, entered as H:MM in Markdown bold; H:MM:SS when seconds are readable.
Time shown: **5:52:52**
